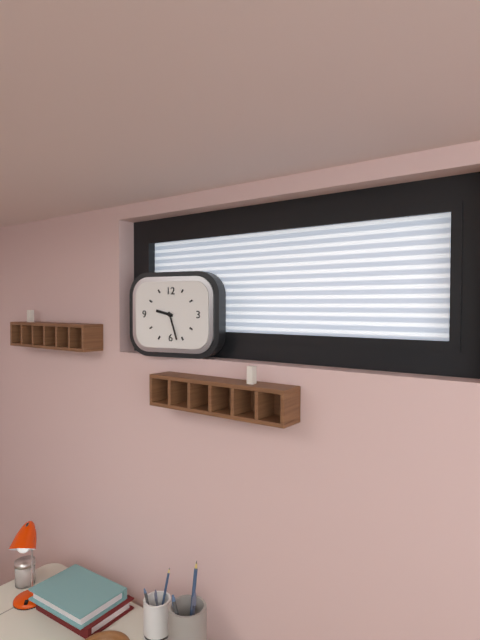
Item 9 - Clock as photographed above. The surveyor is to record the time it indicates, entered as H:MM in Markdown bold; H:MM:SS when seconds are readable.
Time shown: **9:27**
